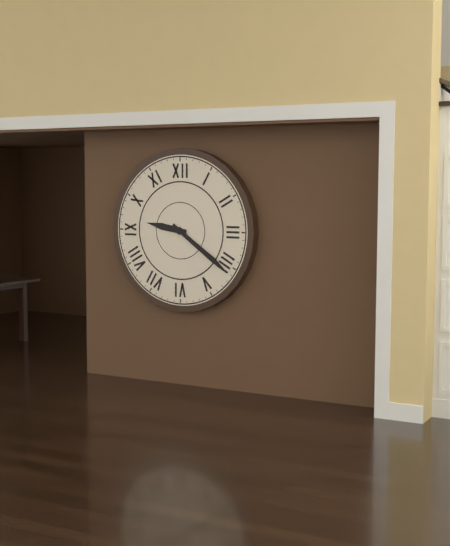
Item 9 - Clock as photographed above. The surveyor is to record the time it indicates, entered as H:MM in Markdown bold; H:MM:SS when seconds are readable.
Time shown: **9:21**
